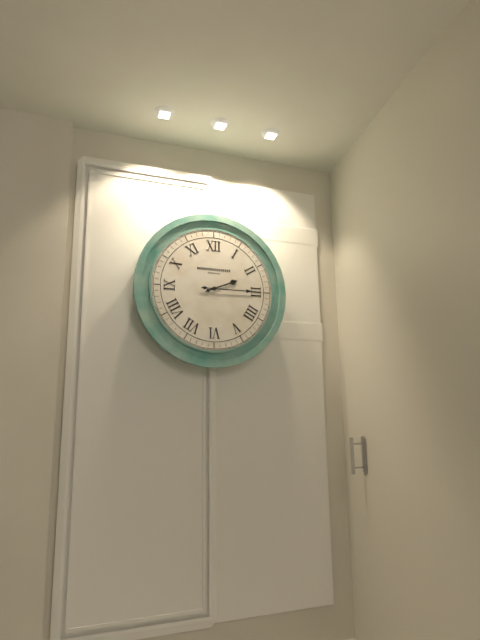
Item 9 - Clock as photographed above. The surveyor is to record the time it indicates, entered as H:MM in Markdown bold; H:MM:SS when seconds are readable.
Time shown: **2:15**
